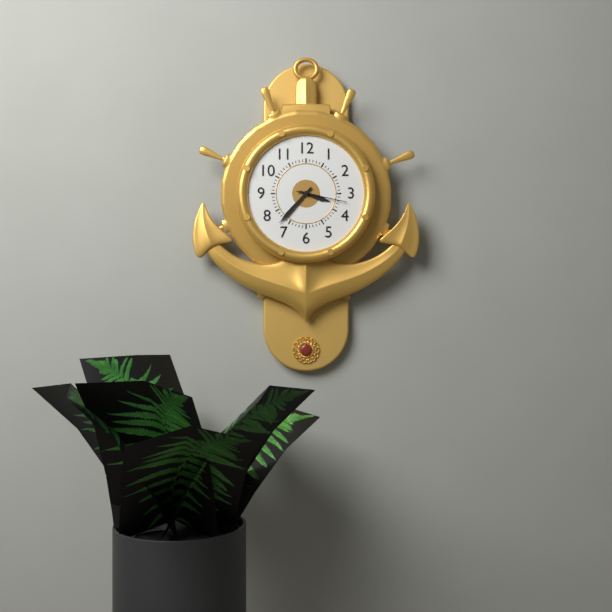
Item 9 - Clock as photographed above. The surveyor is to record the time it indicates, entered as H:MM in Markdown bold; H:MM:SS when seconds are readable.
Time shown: **3:37:17**
